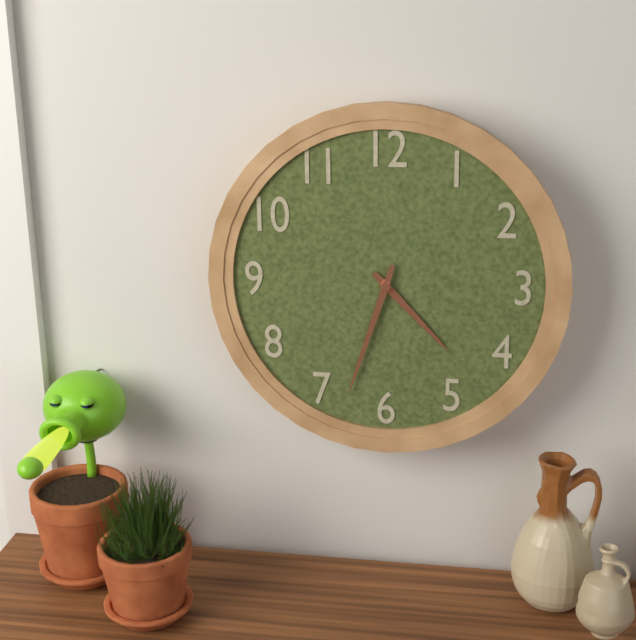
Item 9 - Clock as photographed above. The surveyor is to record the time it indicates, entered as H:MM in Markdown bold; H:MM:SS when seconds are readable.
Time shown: **4:33**
